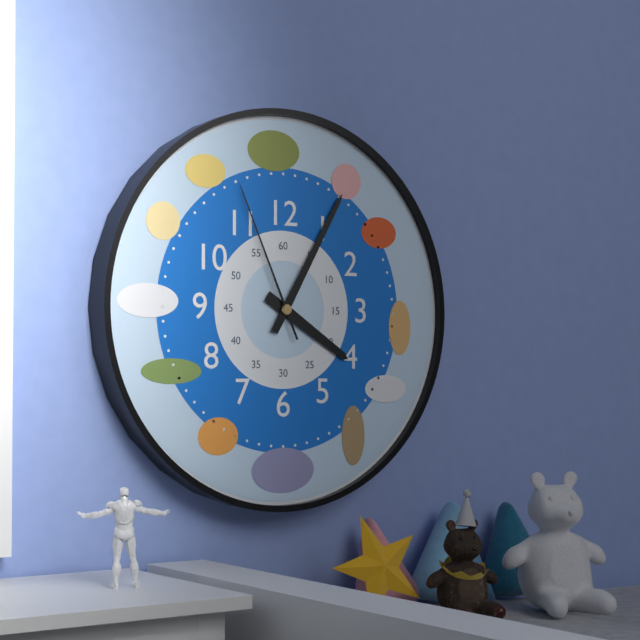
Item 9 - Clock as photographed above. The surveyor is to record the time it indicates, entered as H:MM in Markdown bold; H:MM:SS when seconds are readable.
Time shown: **4:05:56**
